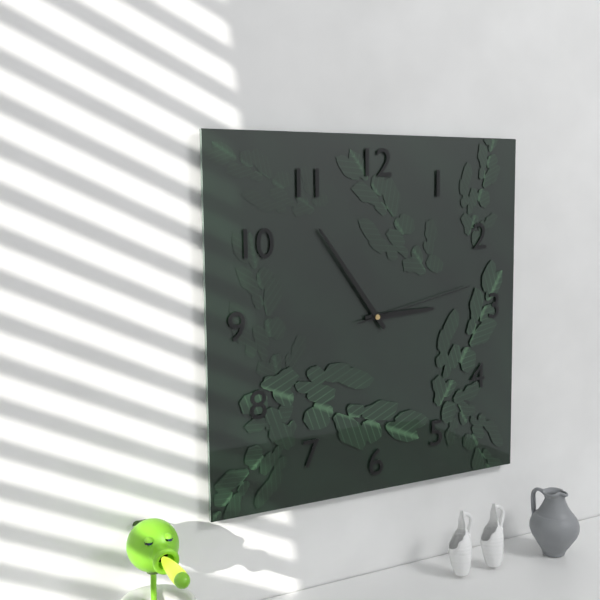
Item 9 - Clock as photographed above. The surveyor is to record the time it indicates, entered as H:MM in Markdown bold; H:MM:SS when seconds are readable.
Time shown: **2:54:13**
